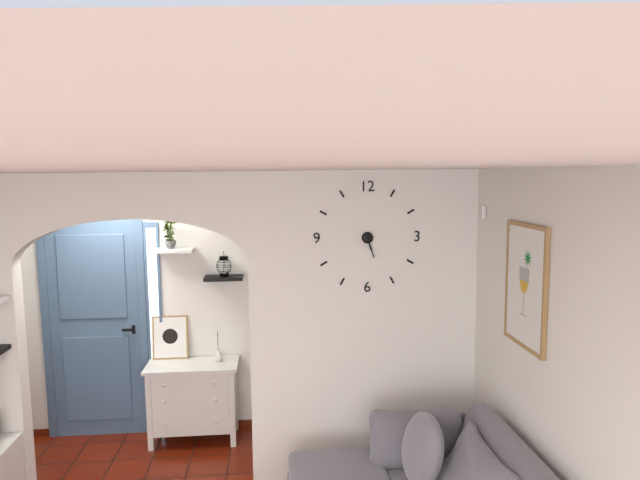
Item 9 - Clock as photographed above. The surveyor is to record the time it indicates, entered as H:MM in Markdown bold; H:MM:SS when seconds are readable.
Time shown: **5:27**
